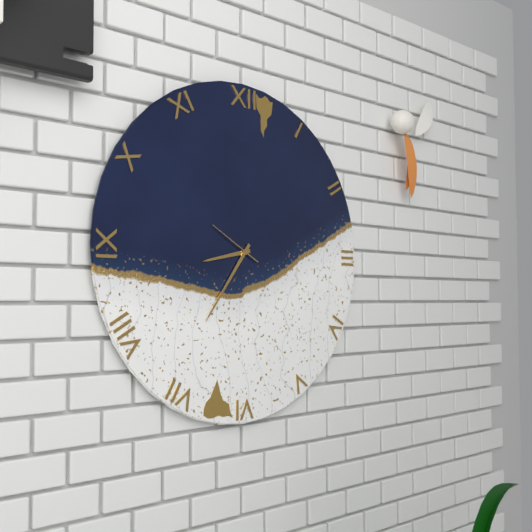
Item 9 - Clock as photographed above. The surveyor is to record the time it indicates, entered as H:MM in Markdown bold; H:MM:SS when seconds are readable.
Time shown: **8:36:50**
